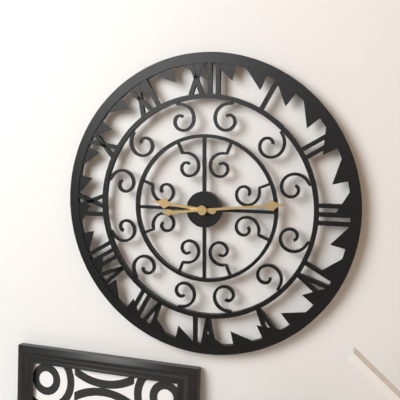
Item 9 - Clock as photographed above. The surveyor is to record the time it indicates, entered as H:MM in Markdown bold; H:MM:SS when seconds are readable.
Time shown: **9:14**
